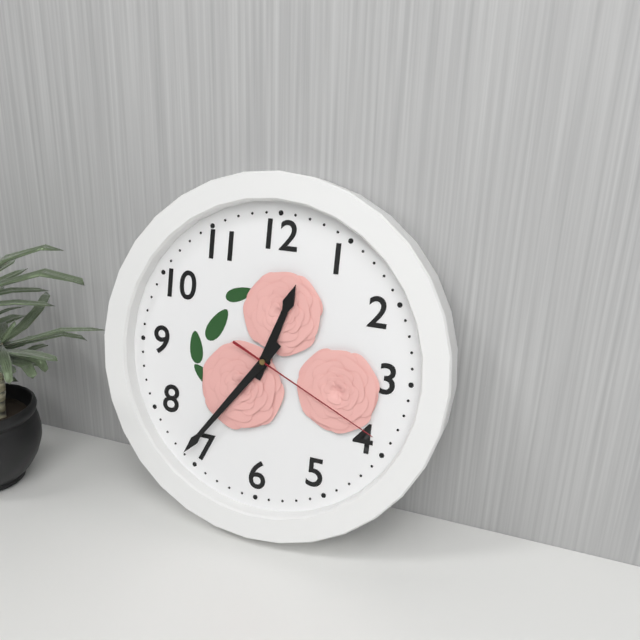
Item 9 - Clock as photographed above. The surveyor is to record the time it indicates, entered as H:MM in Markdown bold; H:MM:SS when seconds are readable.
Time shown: **12:36:19**
